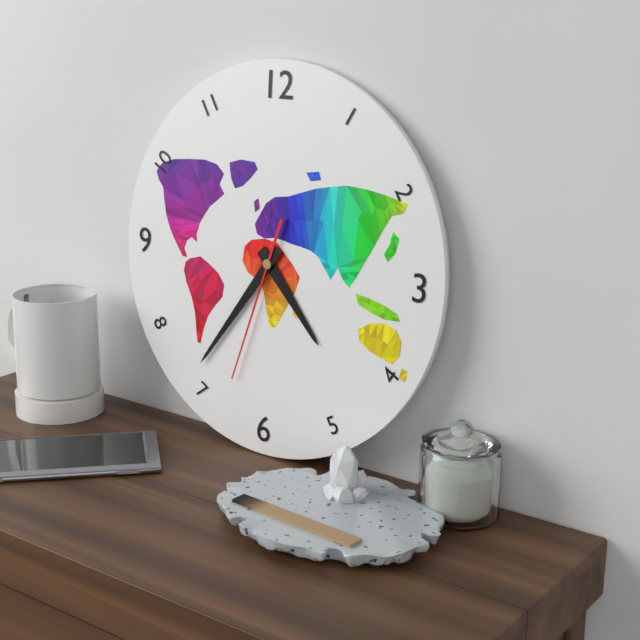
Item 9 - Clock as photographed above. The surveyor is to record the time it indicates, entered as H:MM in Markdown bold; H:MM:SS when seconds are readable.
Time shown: **4:36:33**
